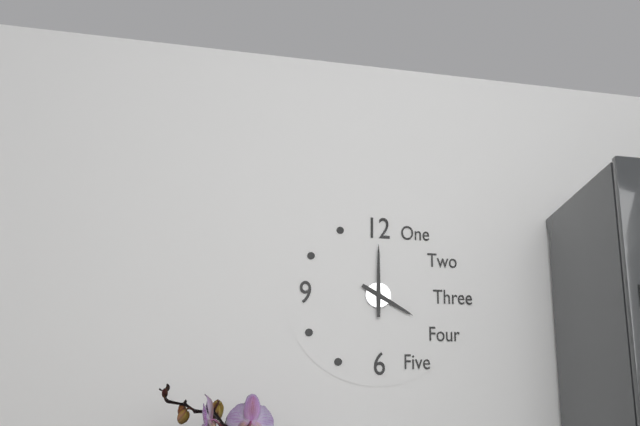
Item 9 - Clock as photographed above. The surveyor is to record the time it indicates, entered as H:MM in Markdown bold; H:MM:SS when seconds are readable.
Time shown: **4:00**
